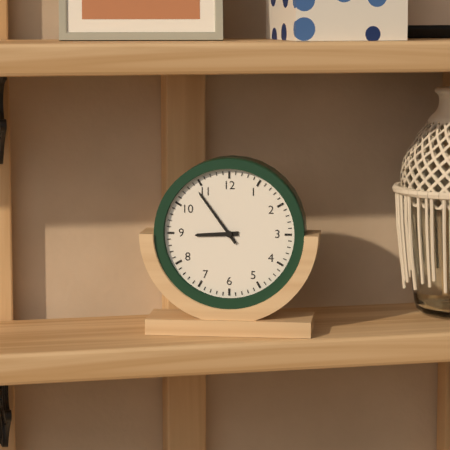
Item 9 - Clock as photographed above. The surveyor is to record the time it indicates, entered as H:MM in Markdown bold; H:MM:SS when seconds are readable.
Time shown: **8:54**
